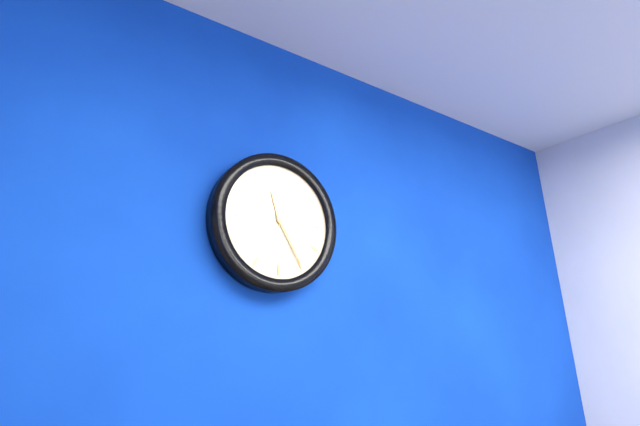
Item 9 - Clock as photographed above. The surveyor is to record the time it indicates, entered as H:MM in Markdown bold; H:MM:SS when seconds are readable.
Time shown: **11:25**
